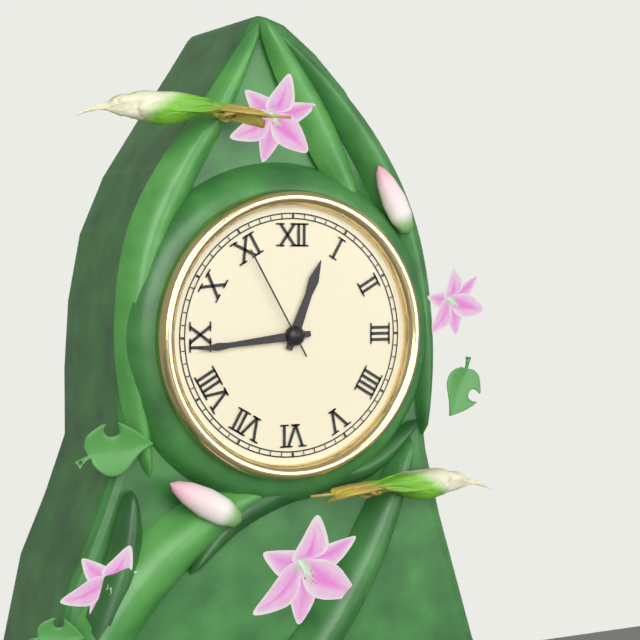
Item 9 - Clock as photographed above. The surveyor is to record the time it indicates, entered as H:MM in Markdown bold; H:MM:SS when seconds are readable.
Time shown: **12:44:55**
